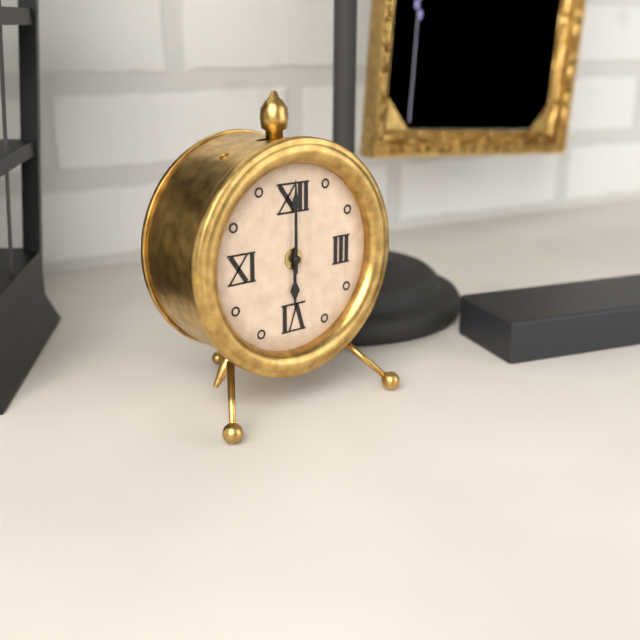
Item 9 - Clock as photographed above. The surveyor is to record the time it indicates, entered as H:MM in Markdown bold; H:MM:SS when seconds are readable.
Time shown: **6:00**
